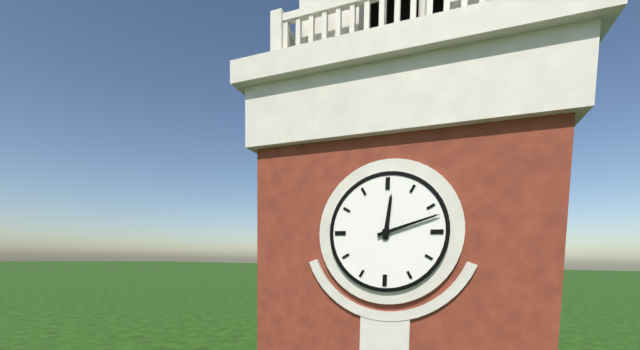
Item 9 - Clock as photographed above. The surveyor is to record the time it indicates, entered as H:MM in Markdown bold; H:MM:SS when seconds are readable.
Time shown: **12:12**
